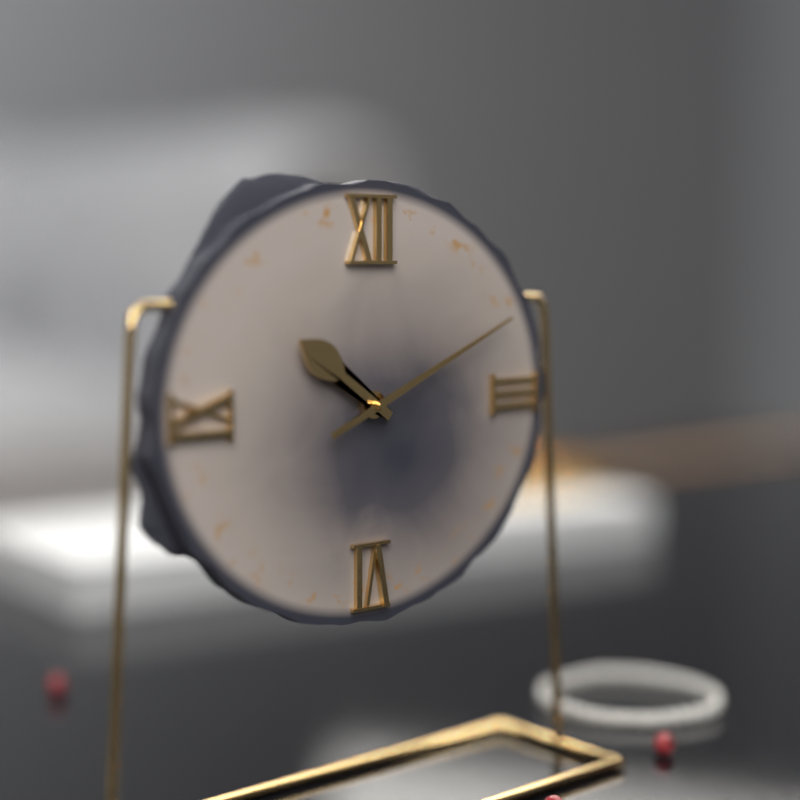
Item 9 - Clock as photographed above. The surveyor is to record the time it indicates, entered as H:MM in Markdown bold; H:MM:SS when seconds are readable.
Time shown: **10:11**
